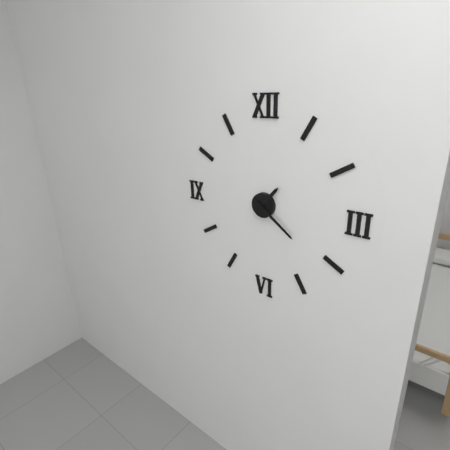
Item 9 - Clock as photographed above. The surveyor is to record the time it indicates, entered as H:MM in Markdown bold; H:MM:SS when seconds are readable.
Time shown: **1:21**
